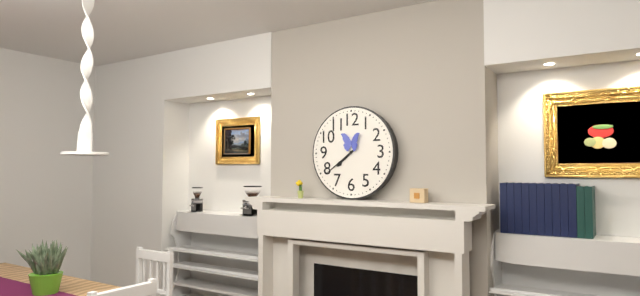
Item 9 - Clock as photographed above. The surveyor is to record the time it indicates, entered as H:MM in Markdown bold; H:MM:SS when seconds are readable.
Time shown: **7:39**
